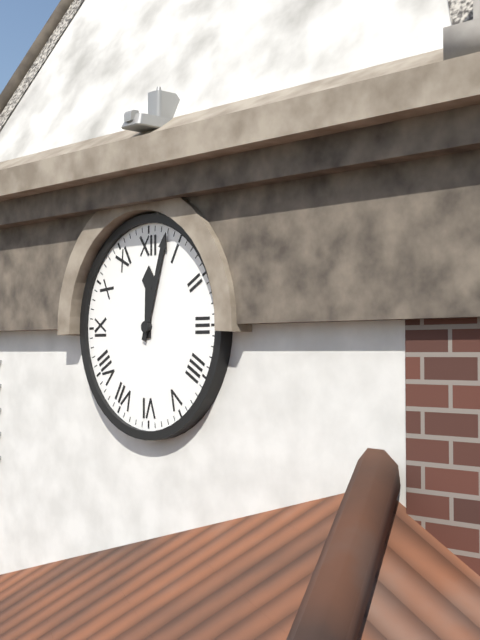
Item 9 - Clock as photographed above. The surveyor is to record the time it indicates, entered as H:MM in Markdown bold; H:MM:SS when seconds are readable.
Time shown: **12:03**
